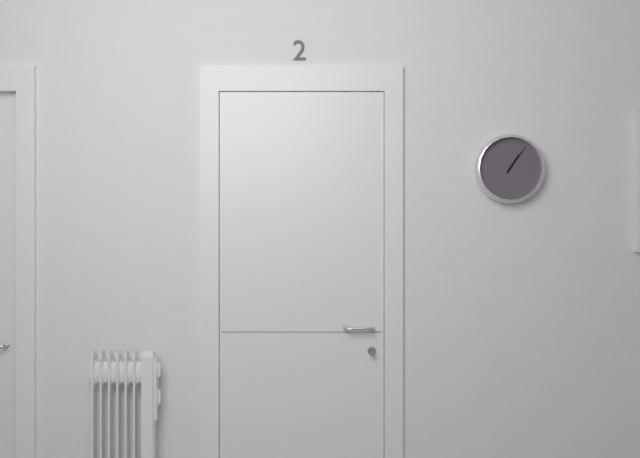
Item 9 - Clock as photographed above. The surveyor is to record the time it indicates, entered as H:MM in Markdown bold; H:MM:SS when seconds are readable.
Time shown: **1:06**
